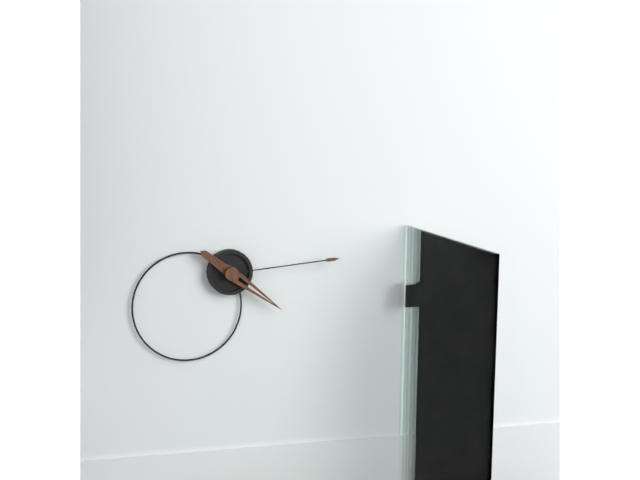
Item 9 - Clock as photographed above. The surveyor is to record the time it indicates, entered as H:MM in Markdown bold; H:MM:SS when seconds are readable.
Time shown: **4:14**
